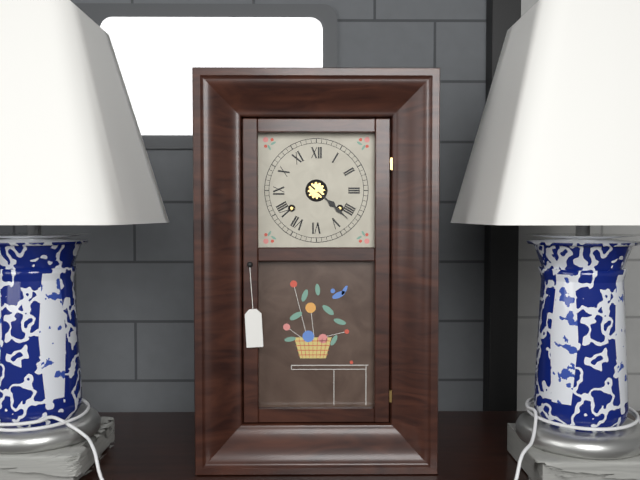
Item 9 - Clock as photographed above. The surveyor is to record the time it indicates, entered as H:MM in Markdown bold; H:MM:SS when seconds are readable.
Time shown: **4:22**
